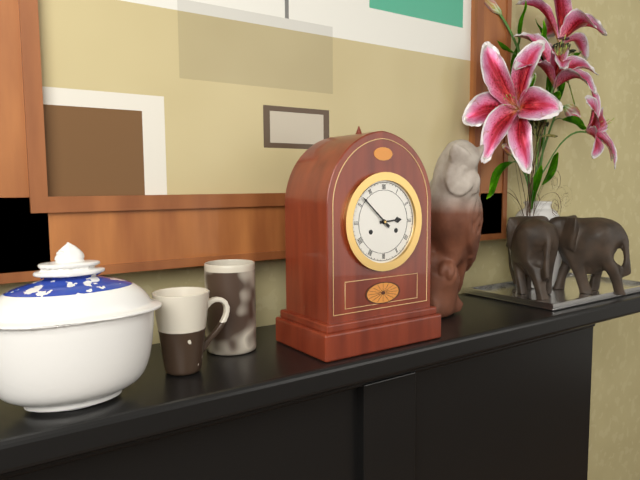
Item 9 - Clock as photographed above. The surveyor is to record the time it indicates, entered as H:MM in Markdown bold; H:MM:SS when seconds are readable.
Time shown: **2:52**
